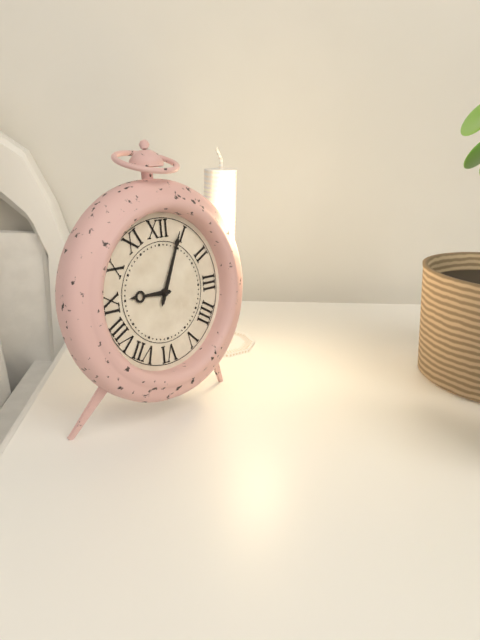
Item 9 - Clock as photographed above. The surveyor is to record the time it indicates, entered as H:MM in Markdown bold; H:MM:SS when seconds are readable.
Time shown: **9:04**
